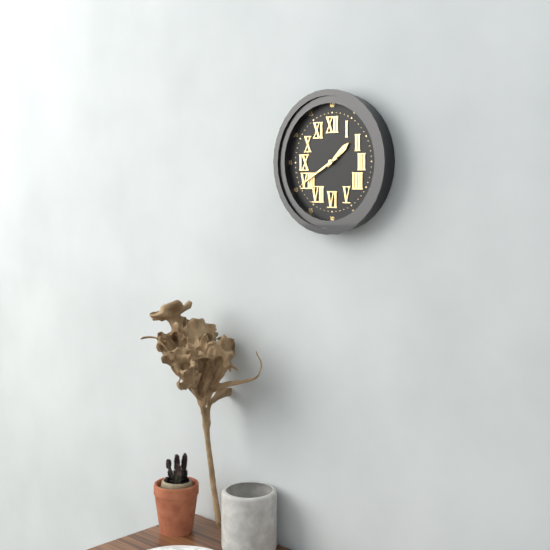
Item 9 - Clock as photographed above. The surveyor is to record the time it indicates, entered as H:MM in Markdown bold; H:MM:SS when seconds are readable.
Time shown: **1:40**
